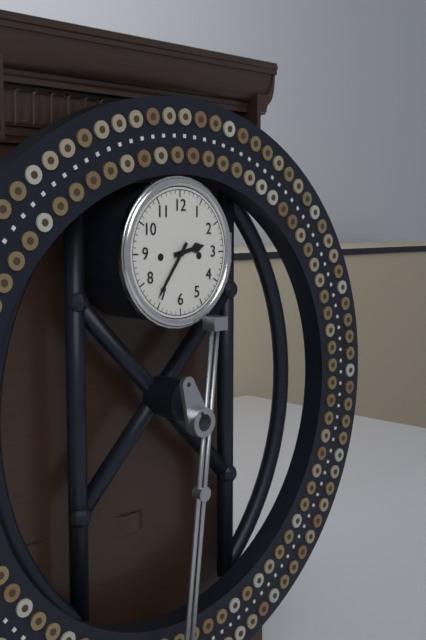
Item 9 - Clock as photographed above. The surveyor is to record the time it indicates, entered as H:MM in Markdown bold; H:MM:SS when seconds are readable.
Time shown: **2:36**
